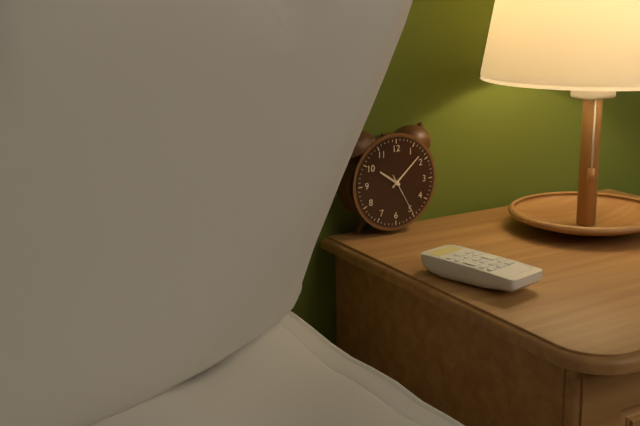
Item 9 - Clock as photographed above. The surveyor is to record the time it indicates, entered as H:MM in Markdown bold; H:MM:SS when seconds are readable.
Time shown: **10:08**
